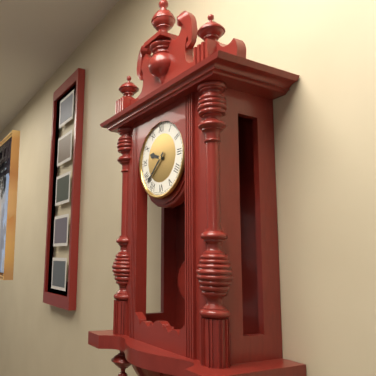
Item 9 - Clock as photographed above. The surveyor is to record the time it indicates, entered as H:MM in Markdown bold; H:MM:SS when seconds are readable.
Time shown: **9:38**
